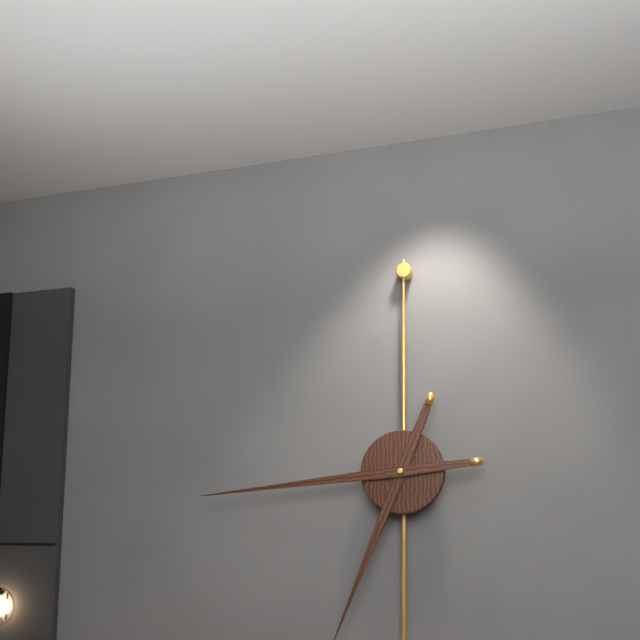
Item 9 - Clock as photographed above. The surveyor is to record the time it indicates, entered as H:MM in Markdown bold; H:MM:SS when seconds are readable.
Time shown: **6:44**
